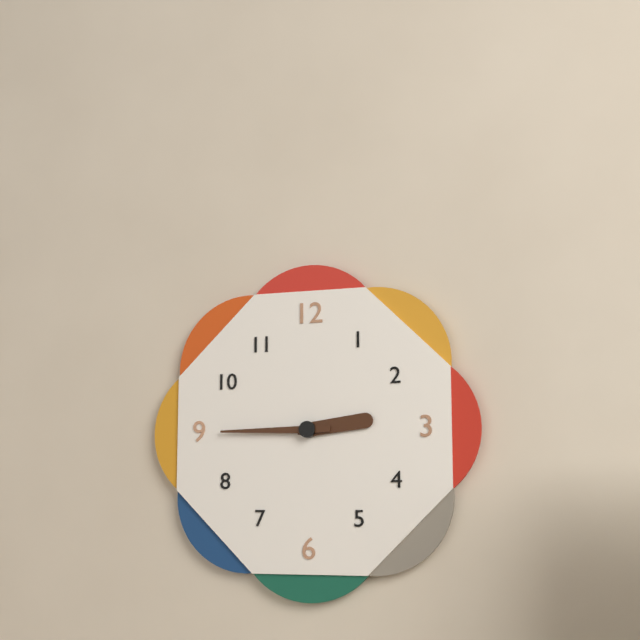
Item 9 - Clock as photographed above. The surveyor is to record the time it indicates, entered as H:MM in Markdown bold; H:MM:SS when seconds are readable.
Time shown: **2:45**
